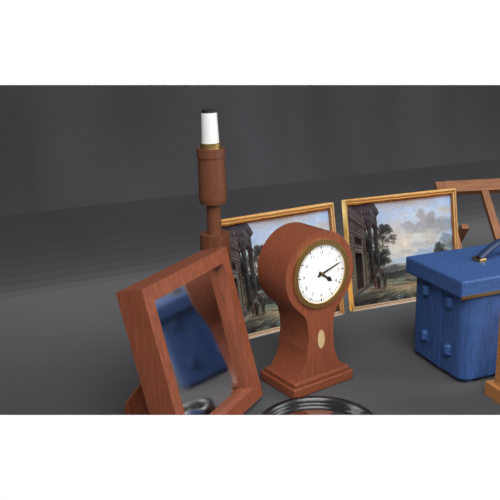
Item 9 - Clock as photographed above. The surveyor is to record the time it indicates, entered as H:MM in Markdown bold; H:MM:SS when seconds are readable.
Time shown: **4:12**
